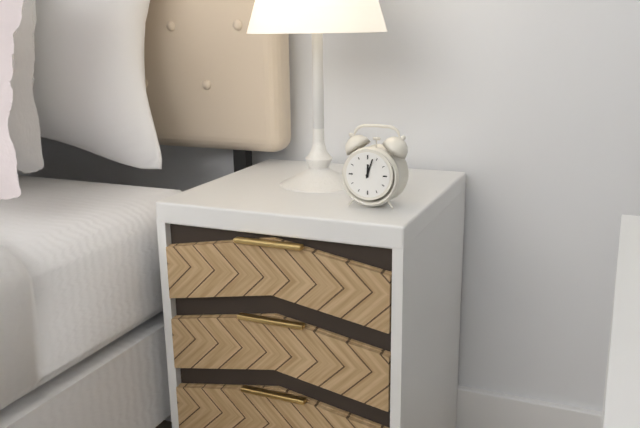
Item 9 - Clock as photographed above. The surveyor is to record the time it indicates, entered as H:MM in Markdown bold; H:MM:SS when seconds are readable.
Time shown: **12:03**
